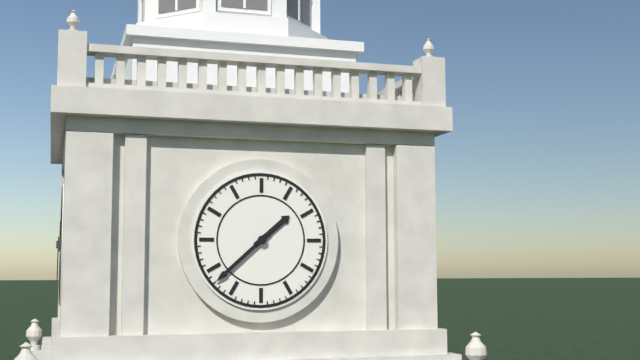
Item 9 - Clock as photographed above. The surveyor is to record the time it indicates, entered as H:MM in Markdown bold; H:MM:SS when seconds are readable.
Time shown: **1:38**
